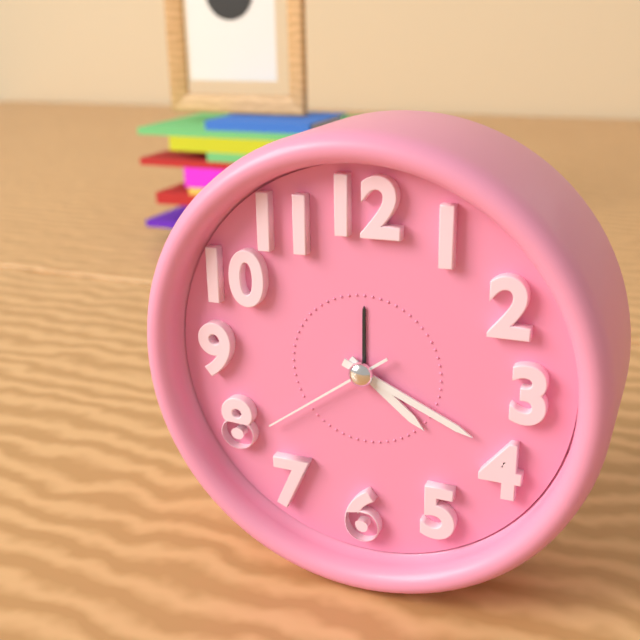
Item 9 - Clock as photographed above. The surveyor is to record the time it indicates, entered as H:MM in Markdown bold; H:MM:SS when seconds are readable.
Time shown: **4:19:39**
